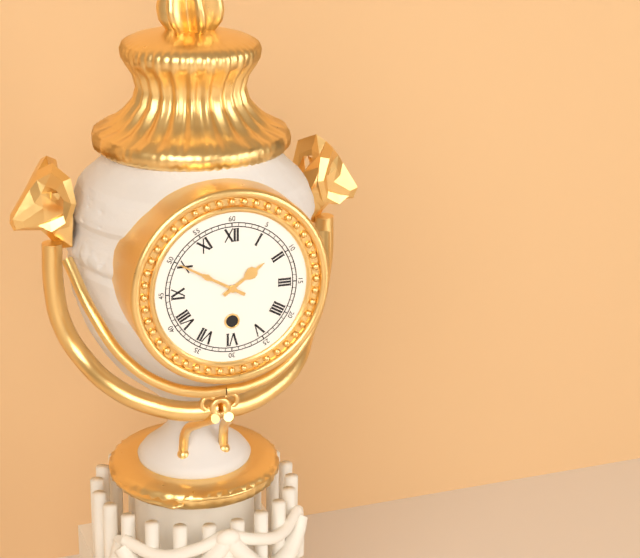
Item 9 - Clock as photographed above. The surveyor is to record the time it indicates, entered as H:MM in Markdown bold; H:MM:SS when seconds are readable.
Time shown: **1:50**
